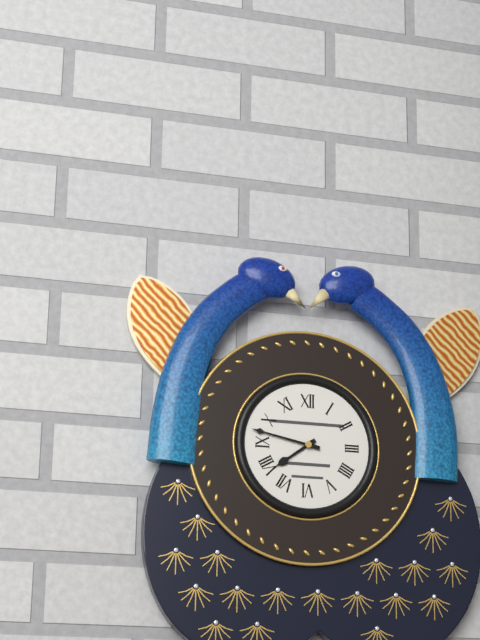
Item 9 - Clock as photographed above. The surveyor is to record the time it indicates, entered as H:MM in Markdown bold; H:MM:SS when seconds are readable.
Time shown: **7:47**
